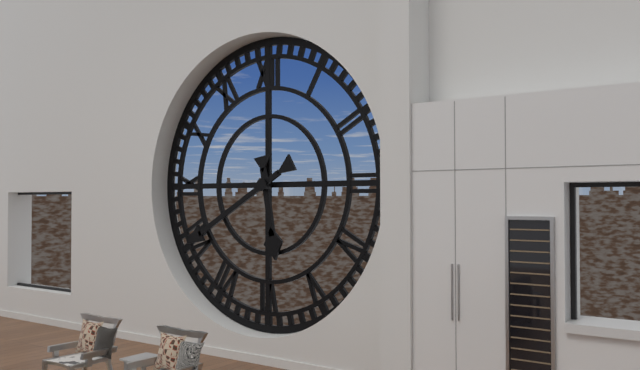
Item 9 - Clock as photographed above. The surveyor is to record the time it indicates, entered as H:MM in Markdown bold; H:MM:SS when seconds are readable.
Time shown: **5:40**
